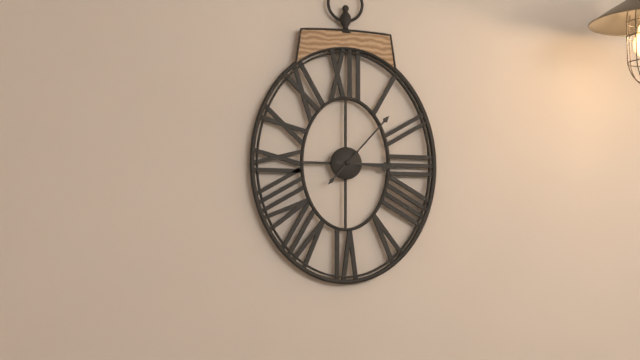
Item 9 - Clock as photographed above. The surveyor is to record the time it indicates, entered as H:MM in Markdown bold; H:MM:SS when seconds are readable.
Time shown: **3:07**
